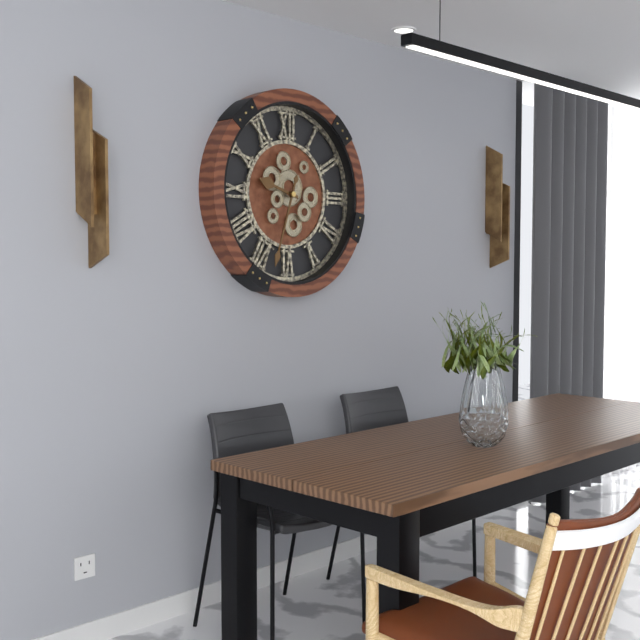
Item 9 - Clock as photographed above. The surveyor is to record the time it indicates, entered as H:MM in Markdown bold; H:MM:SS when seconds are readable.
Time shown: **9:33**
